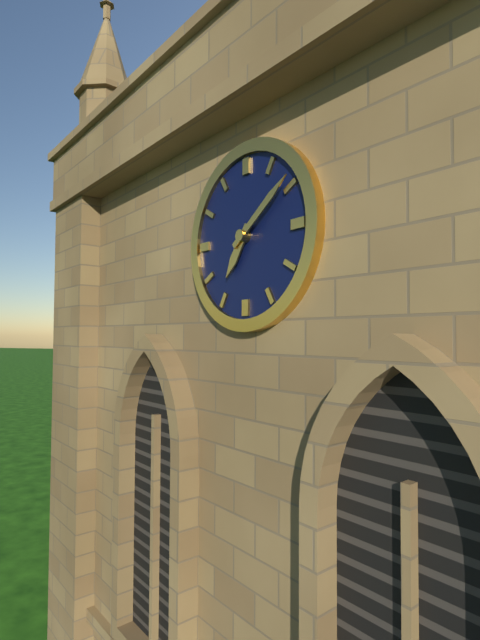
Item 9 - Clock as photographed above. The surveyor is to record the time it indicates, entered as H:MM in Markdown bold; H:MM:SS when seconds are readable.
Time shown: **7:09**
